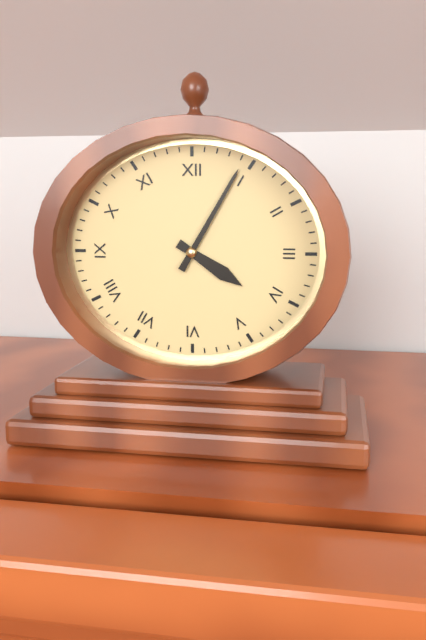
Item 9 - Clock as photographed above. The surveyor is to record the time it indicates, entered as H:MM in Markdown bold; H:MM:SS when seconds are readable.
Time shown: **4:05**
